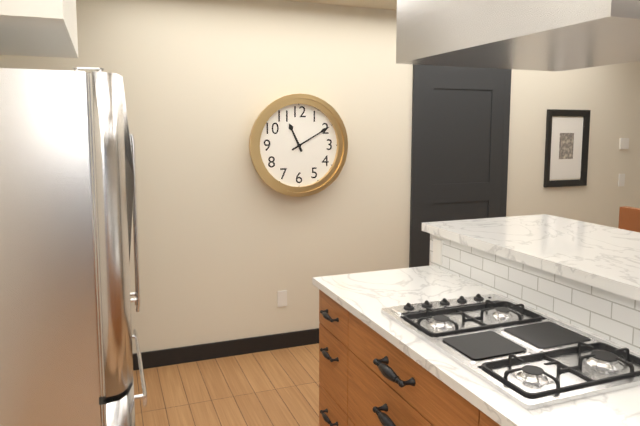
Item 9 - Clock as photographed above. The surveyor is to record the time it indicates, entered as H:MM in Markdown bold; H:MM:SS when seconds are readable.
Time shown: **11:10**
